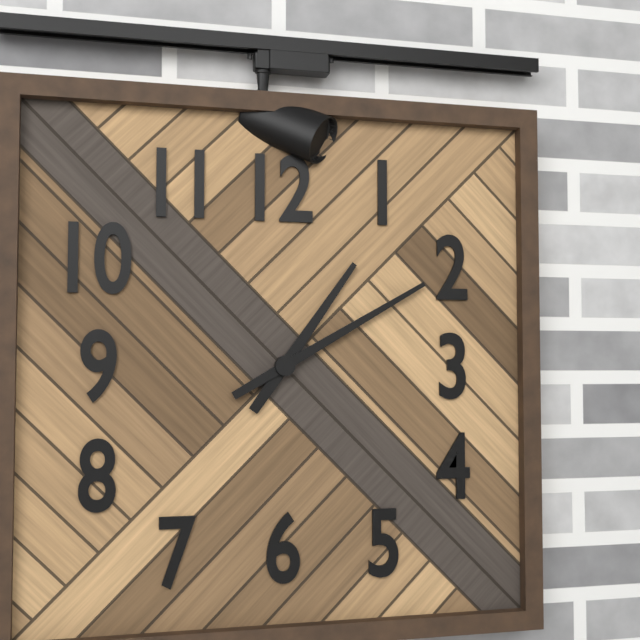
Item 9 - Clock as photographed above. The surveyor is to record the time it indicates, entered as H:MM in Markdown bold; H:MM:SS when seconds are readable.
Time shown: **1:10**
